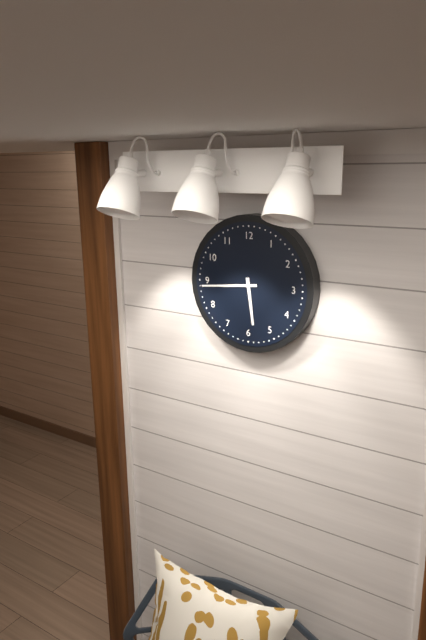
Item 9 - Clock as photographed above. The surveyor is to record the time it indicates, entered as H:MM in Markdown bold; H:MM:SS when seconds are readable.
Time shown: **5:44**
